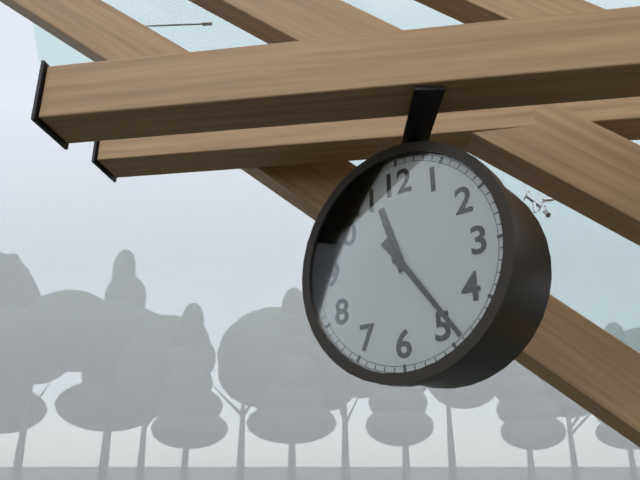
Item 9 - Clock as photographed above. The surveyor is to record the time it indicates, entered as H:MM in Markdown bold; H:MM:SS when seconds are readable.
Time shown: **11:24**
